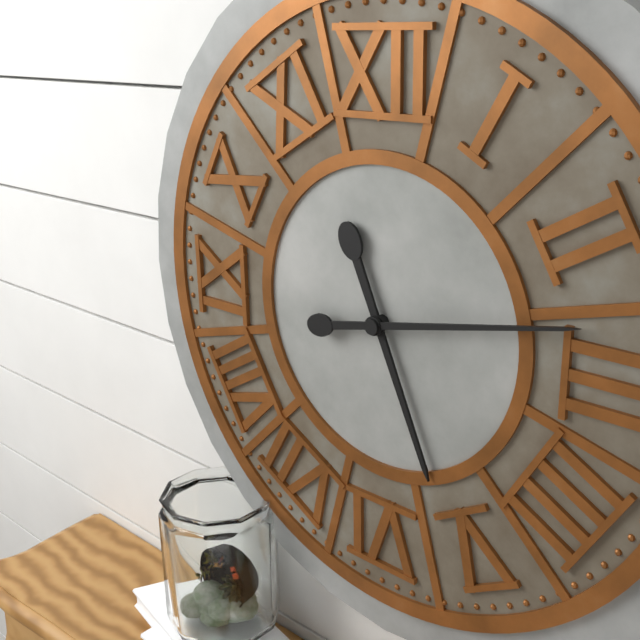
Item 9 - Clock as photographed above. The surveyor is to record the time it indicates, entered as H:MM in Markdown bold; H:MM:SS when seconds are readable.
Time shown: **5:13**
